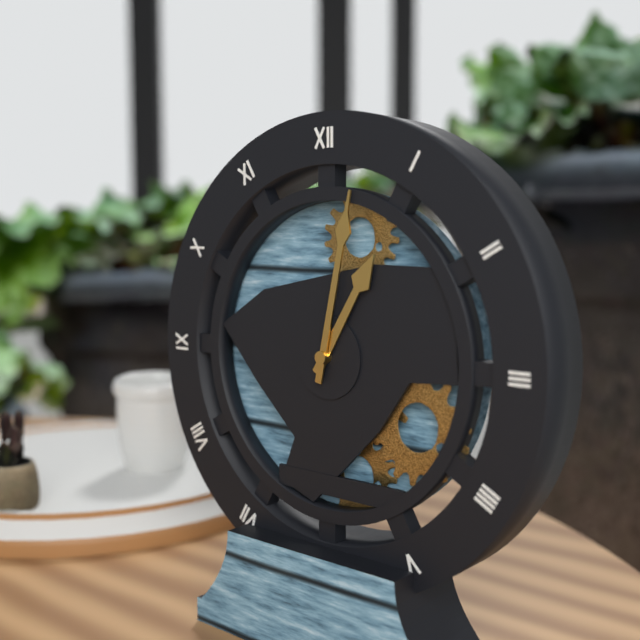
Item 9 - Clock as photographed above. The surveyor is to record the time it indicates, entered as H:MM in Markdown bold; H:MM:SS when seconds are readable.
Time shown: **1:02**
